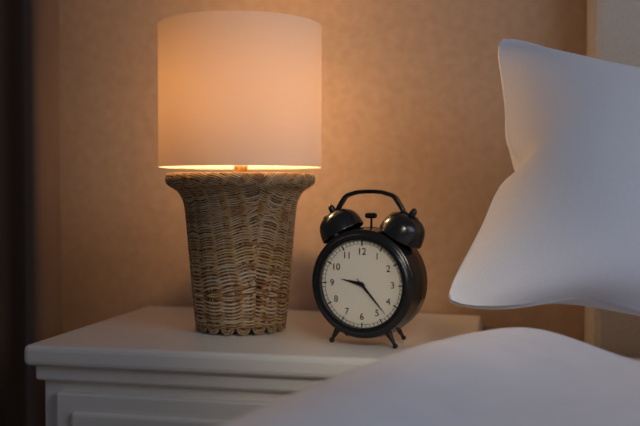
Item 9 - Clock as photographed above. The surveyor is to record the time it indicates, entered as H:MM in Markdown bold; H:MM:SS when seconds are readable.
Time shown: **9:23**
